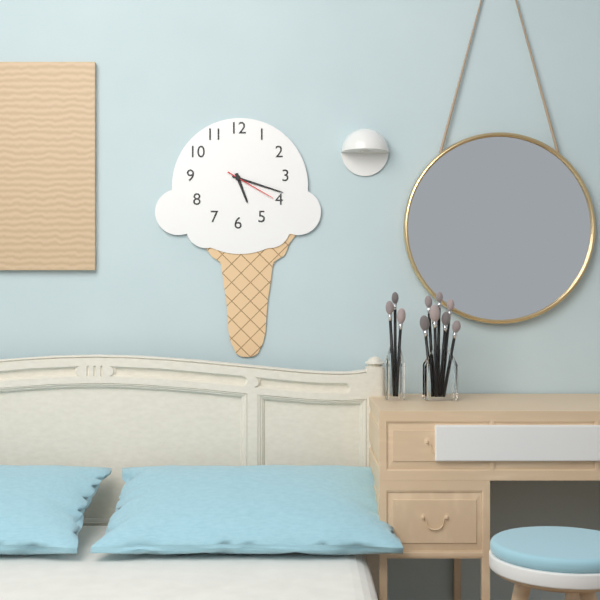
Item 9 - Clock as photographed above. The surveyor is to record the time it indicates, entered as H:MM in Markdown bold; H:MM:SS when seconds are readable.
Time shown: **5:18:20**
